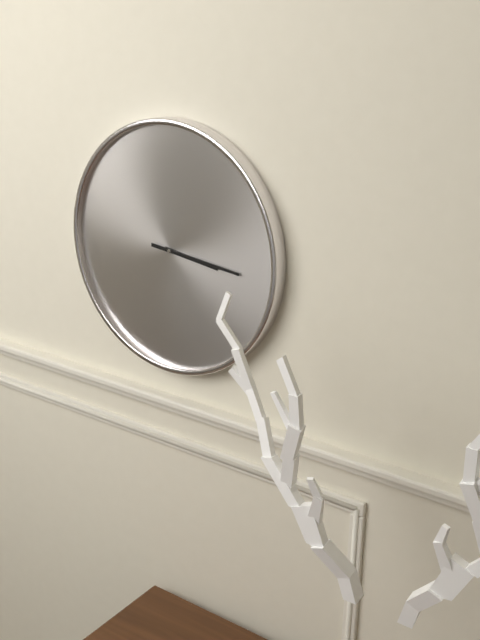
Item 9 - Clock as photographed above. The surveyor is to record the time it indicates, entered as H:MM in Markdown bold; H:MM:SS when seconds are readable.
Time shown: **3:16**
